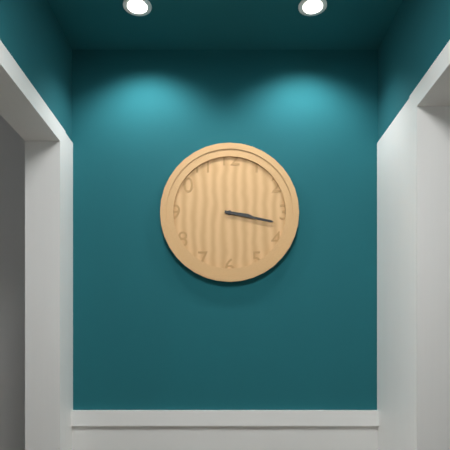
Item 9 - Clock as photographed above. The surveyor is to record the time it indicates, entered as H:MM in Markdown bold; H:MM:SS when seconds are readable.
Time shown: **3:17**
